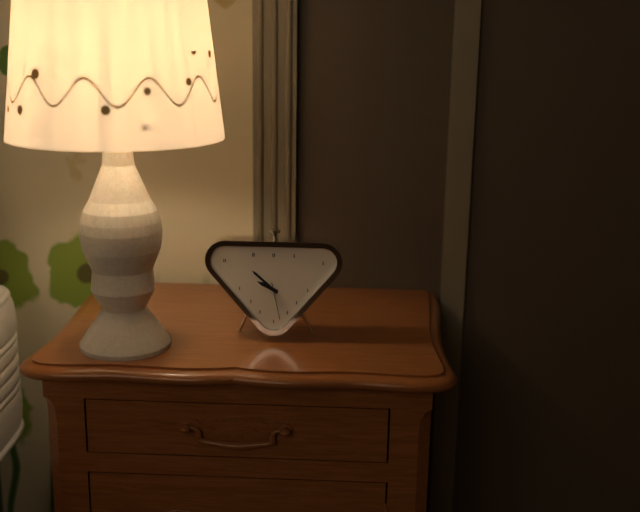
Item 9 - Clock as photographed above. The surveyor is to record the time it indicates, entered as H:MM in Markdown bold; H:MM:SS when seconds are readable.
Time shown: **9:52**
